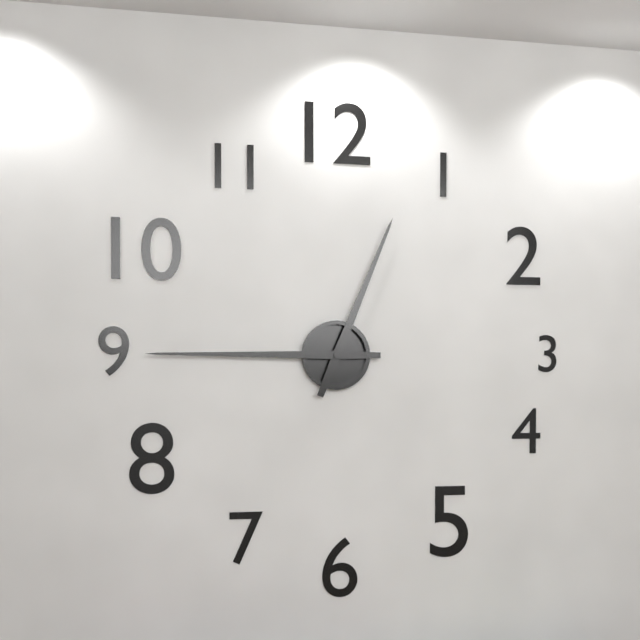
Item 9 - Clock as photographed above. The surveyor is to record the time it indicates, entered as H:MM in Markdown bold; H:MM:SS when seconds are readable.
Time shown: **12:45**
